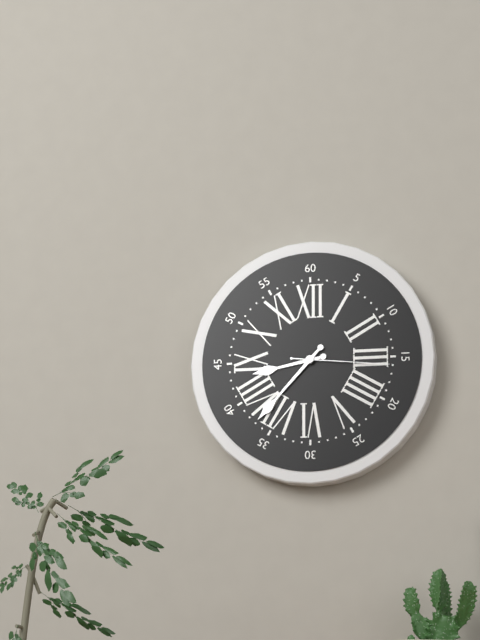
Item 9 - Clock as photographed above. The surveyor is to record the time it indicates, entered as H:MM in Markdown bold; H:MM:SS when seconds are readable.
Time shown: **8:37:16**
